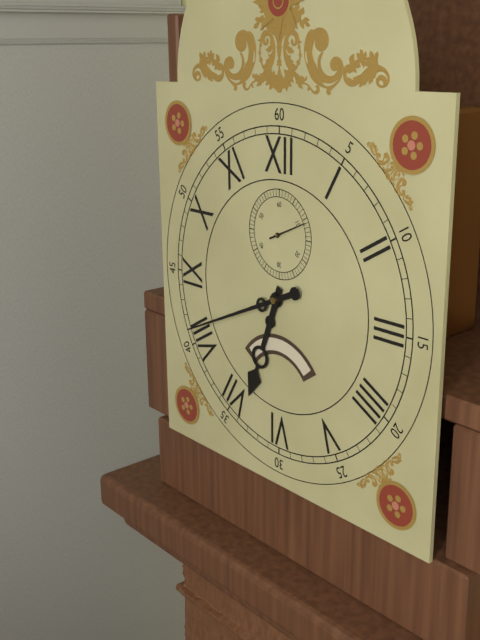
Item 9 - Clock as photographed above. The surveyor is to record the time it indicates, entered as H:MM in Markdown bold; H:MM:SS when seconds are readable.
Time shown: **6:41**
